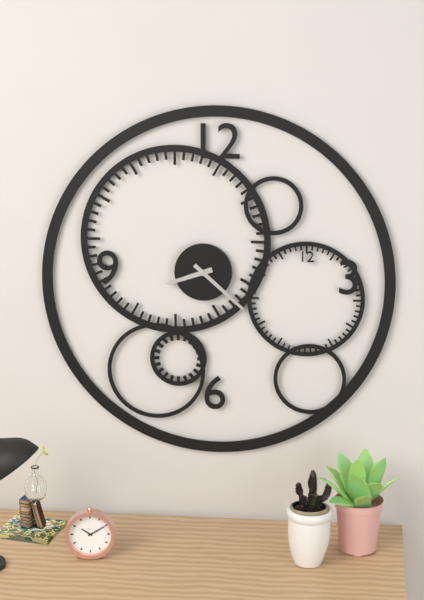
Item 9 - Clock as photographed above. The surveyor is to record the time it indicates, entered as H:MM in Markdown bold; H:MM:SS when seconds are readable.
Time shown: **8:22**
